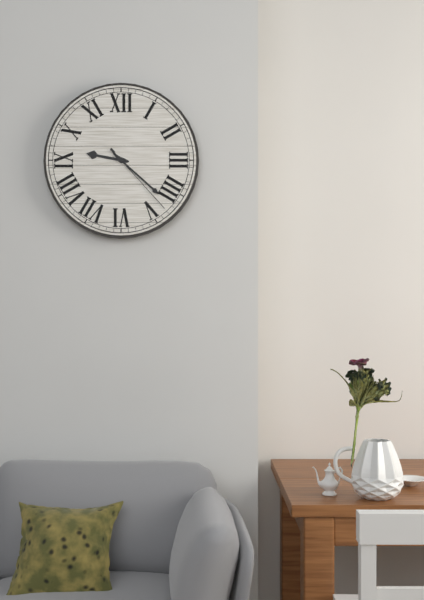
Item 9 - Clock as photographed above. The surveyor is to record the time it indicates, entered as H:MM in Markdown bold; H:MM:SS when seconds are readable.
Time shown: **9:22:23**
